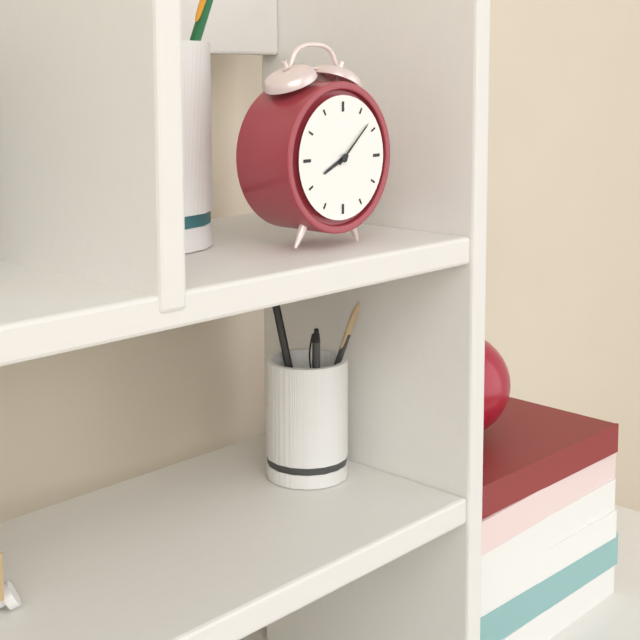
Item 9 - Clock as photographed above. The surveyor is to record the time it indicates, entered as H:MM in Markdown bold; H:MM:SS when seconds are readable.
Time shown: **8:08**
